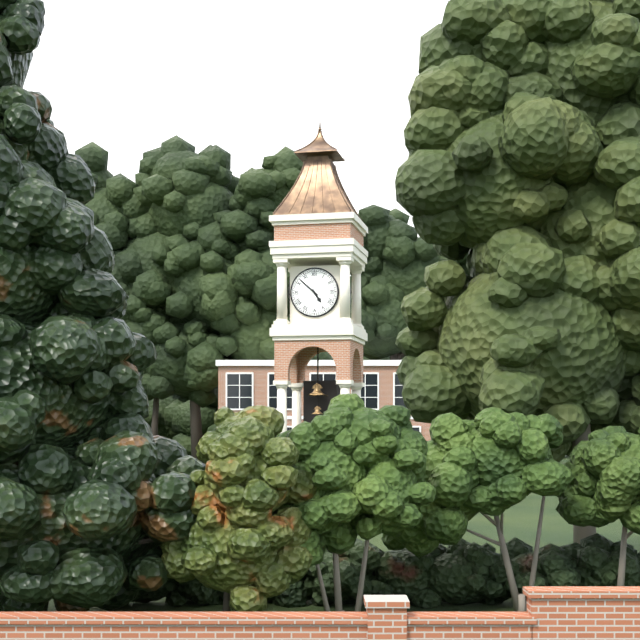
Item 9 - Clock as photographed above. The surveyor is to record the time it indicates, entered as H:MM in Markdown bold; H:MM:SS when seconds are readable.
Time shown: **4:52**
